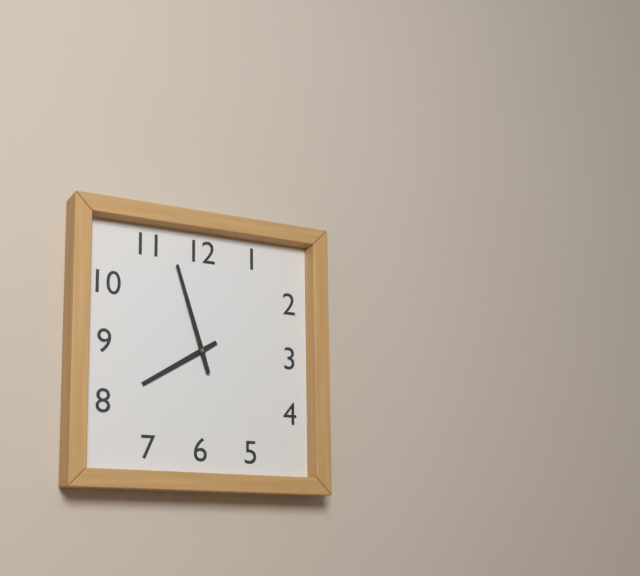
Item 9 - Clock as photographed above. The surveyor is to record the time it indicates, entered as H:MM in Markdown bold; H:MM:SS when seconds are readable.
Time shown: **7:57**
